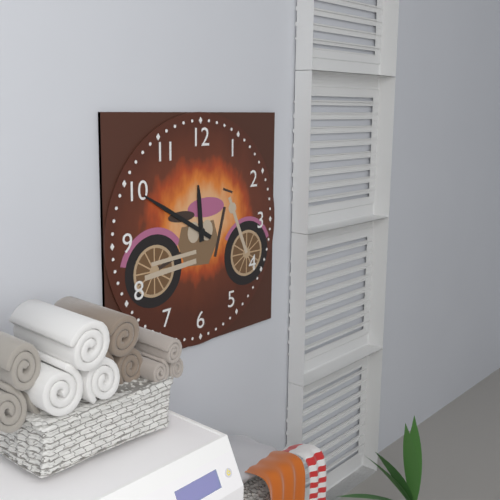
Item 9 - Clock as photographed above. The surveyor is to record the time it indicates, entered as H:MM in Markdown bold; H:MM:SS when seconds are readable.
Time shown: **11:50**
